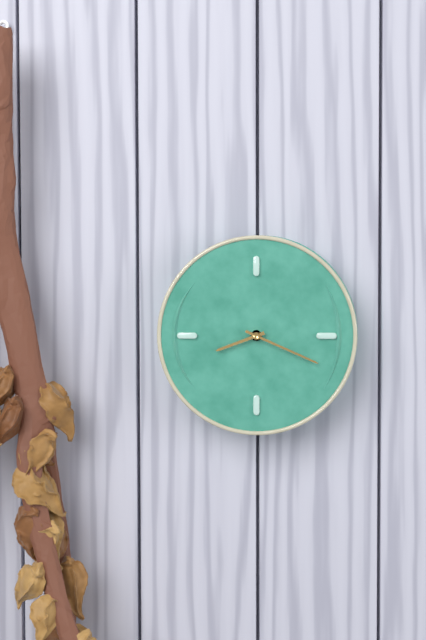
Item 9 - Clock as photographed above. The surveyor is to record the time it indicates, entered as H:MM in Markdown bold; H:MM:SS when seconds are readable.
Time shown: **8:19**
